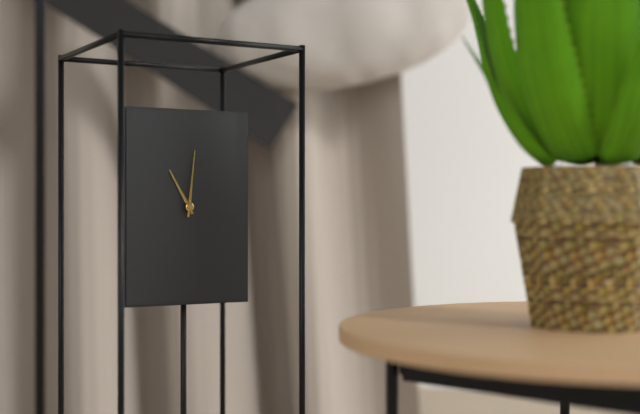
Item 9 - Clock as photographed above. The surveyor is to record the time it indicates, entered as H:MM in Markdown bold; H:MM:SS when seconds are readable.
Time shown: **11:01**
